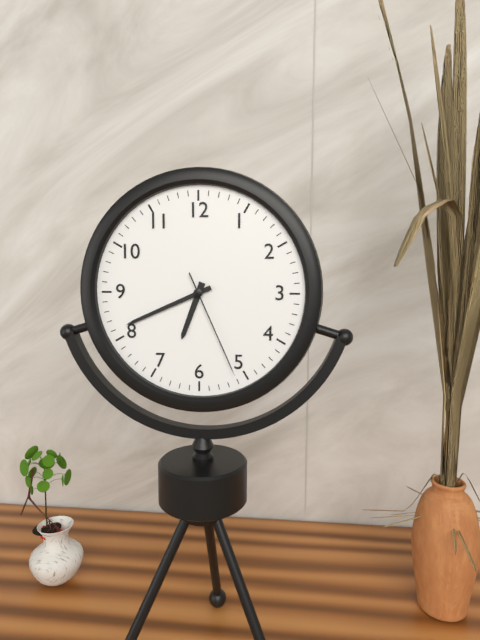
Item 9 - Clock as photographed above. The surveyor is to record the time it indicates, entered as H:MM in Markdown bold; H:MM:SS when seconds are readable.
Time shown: **6:41:26**
